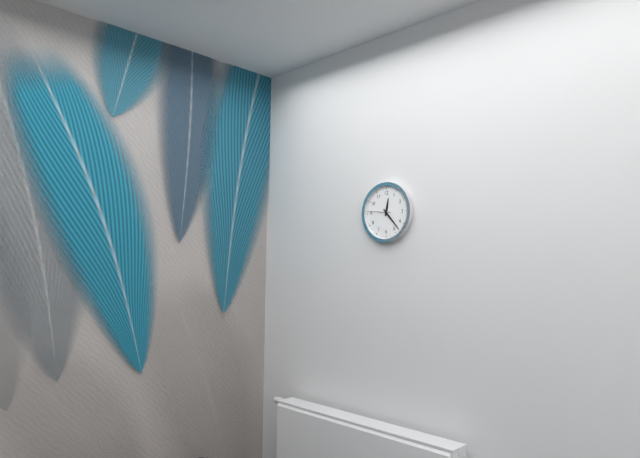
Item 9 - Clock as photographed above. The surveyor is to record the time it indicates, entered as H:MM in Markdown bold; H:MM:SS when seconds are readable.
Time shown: **12:23**
